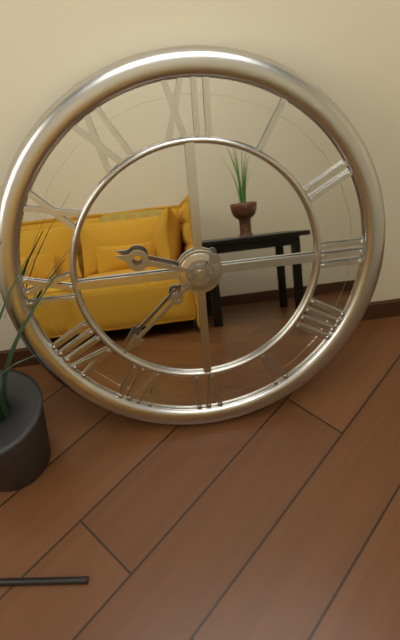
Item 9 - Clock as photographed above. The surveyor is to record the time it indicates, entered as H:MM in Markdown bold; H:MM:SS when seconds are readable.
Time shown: **9:38**
